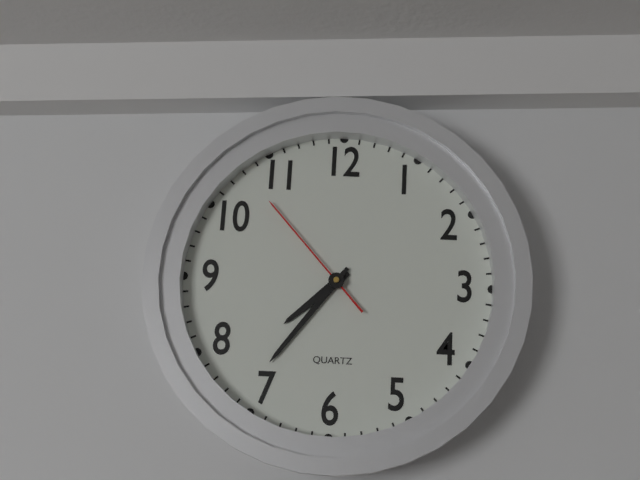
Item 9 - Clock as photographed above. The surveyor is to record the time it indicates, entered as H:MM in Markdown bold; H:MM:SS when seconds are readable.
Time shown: **7:36:53**
